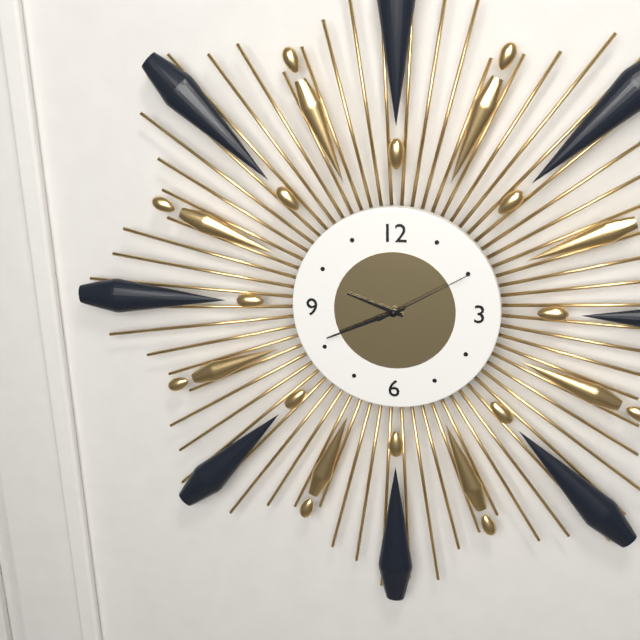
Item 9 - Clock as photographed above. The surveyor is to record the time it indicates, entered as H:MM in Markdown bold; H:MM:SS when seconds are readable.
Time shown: **9:41:10**
